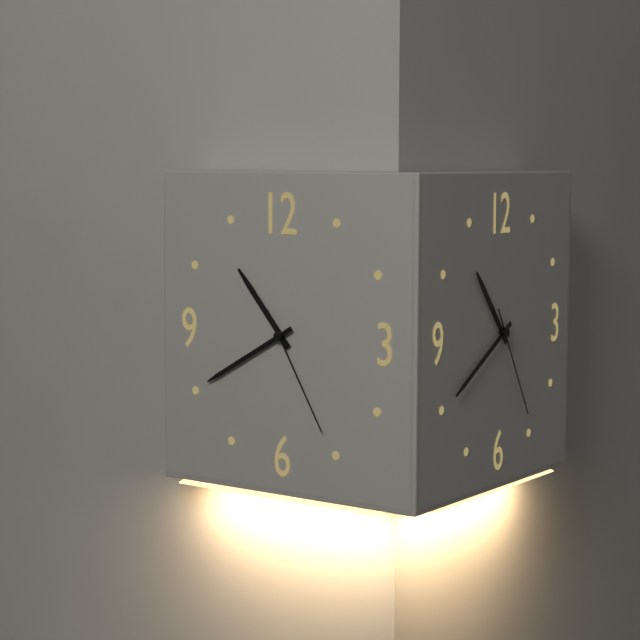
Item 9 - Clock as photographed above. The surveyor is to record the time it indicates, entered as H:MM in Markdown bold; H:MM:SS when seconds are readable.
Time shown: **10:40:25**
